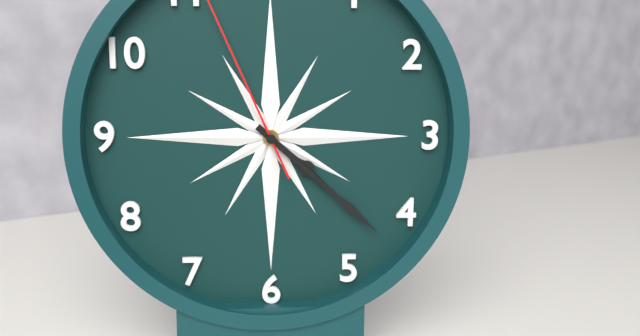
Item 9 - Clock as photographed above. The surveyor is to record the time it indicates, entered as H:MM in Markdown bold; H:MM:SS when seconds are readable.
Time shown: **4:22**
